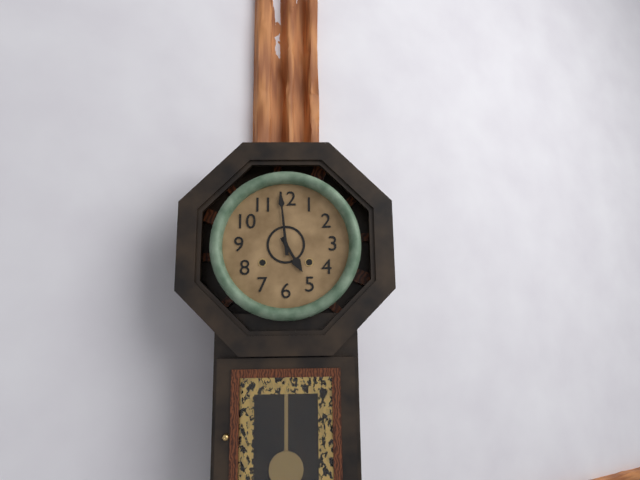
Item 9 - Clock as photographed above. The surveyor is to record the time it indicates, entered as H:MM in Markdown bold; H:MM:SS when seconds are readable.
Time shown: **4:59**
